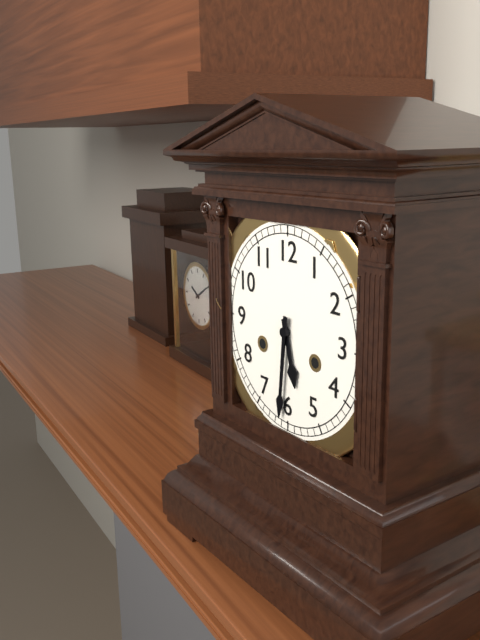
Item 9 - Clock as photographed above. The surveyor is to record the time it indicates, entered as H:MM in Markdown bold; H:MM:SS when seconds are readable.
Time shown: **5:31**
